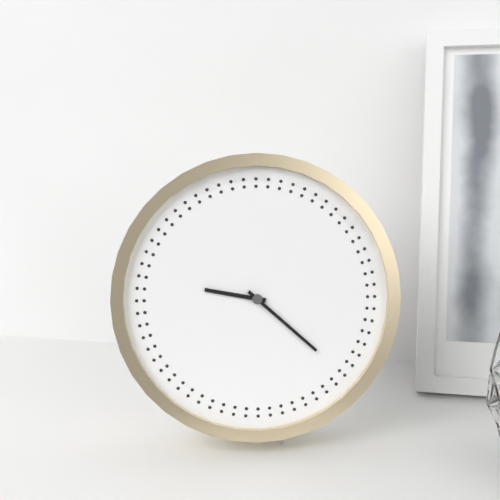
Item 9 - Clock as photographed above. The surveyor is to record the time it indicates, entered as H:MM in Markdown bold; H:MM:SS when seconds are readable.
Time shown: **9:22**
